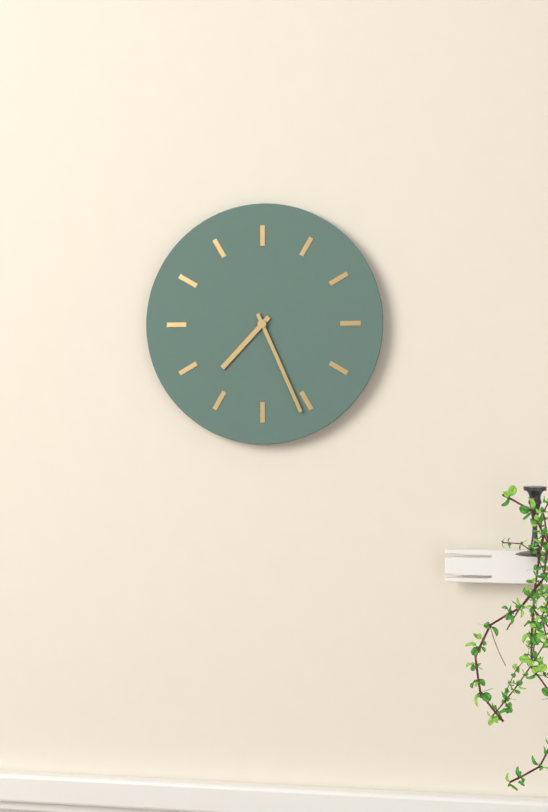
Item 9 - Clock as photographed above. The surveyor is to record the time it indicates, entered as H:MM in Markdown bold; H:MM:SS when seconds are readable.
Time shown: **7:26**
